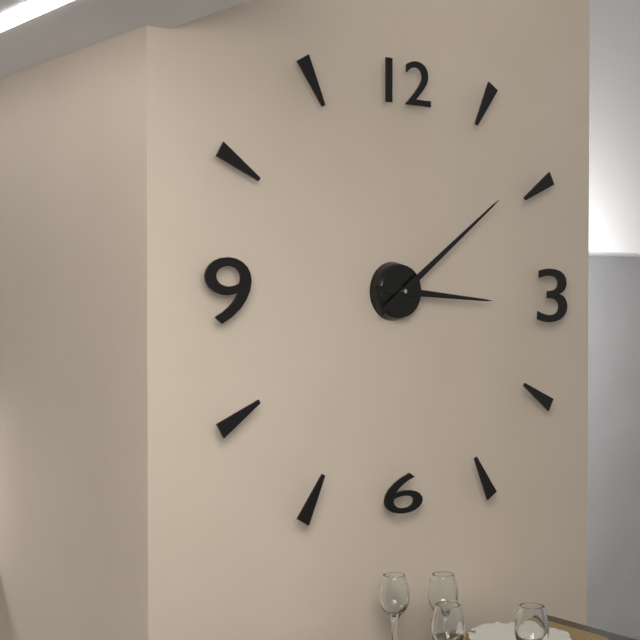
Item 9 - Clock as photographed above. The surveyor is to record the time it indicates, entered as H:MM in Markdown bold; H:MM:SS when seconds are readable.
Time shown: **3:09**
